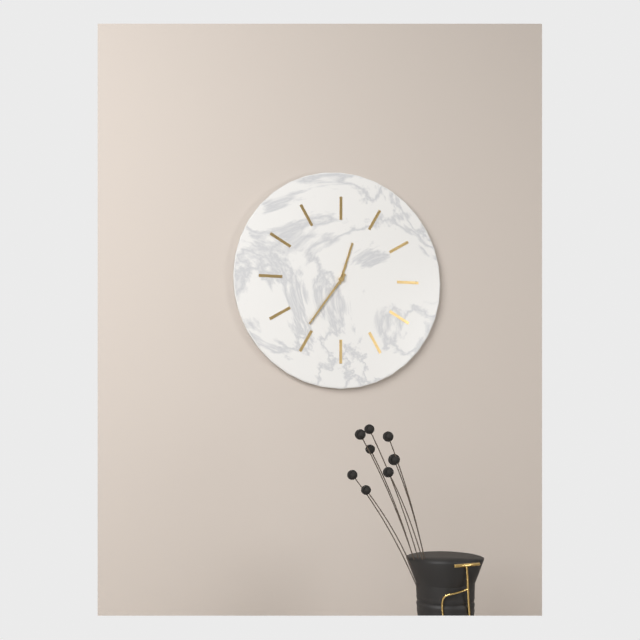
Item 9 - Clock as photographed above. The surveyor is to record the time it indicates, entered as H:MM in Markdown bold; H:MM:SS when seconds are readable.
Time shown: **12:36**
